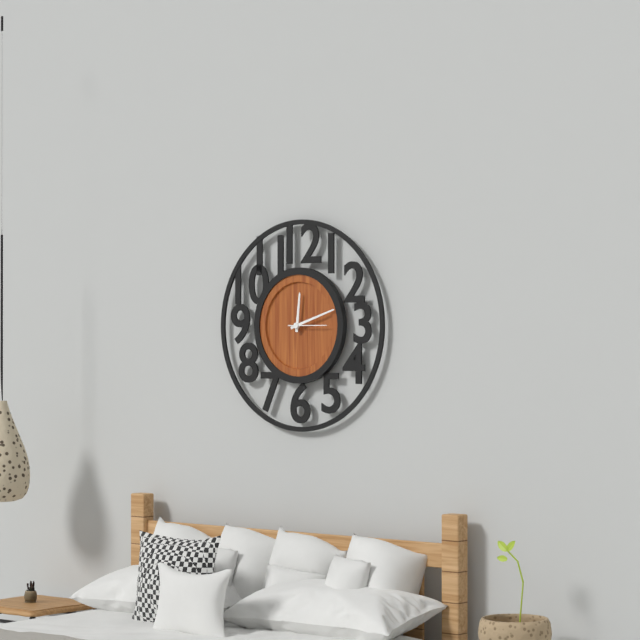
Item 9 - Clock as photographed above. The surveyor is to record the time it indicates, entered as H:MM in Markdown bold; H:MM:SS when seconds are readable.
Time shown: **12:12**
